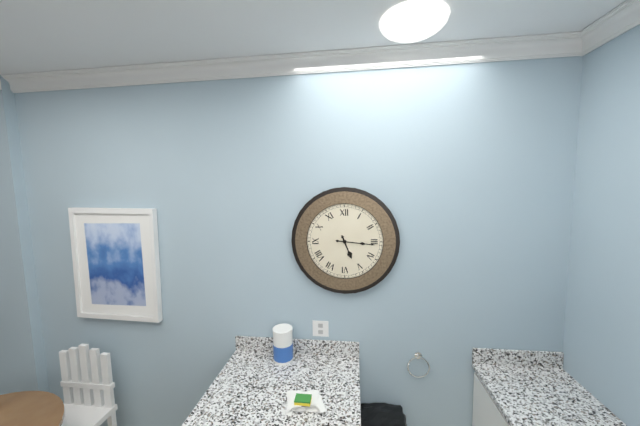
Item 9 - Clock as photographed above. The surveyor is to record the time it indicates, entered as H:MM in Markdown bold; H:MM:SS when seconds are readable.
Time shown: **5:16**
